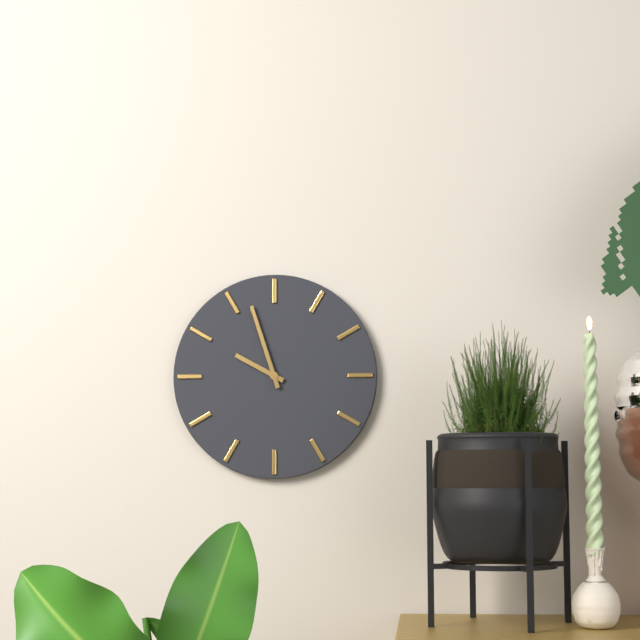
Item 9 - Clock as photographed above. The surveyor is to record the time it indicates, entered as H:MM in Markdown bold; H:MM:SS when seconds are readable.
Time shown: **9:57**
